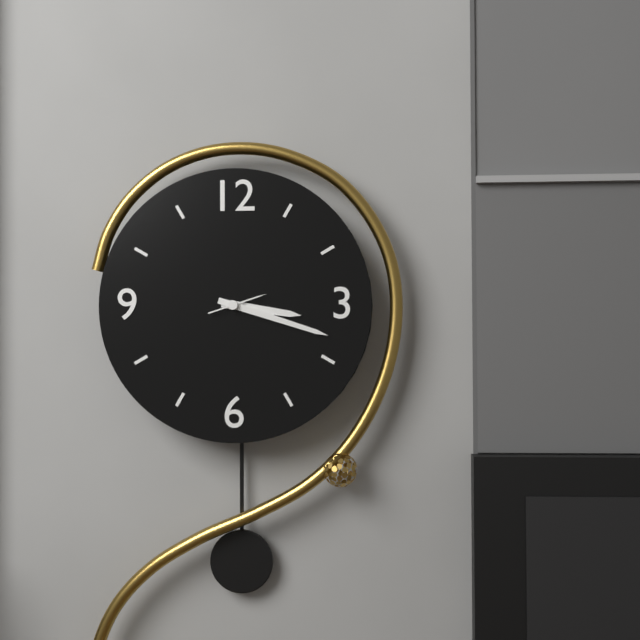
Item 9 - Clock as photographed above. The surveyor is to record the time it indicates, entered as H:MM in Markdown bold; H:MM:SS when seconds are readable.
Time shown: **3:18**
